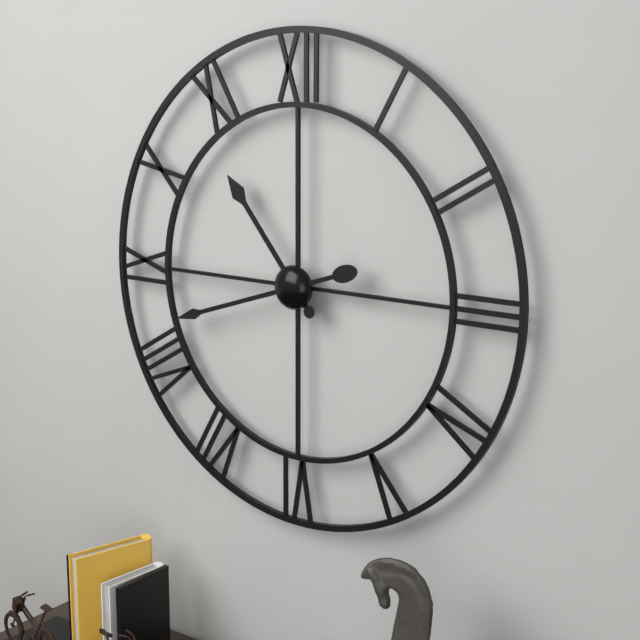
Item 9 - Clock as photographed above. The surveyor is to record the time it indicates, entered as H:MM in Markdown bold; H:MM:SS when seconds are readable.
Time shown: **10:42**
